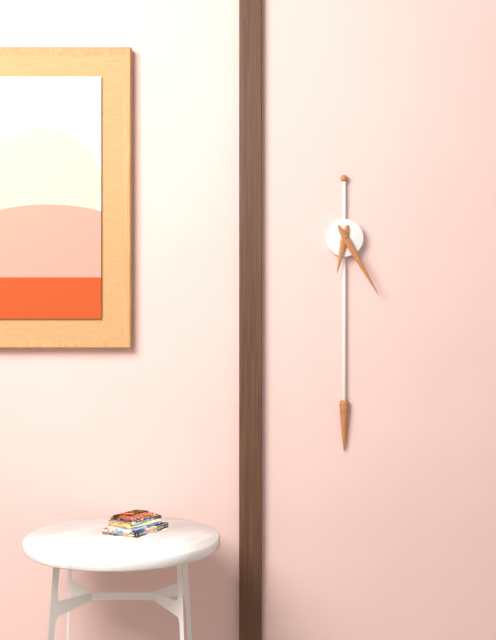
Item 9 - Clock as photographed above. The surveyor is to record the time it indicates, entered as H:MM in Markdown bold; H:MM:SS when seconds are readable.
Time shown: **6:25**
